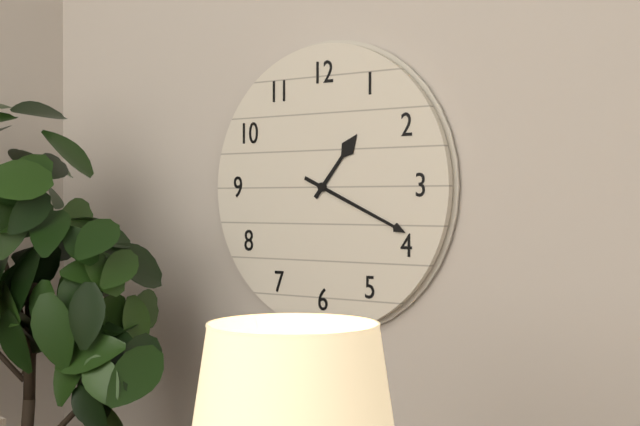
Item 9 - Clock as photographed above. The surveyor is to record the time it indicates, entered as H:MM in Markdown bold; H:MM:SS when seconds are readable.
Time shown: **1:19**
